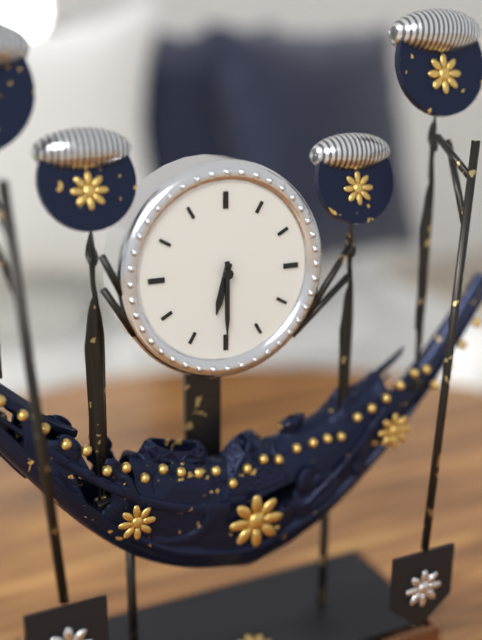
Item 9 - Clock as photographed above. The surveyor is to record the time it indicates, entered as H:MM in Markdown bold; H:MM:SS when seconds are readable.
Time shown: **6:30**
